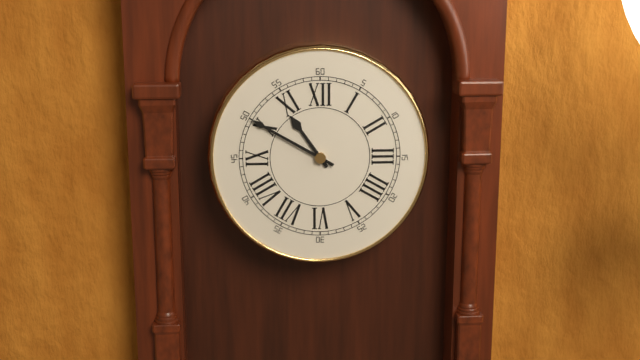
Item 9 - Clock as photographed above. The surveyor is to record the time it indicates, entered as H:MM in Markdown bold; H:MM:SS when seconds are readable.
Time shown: **10:50**
